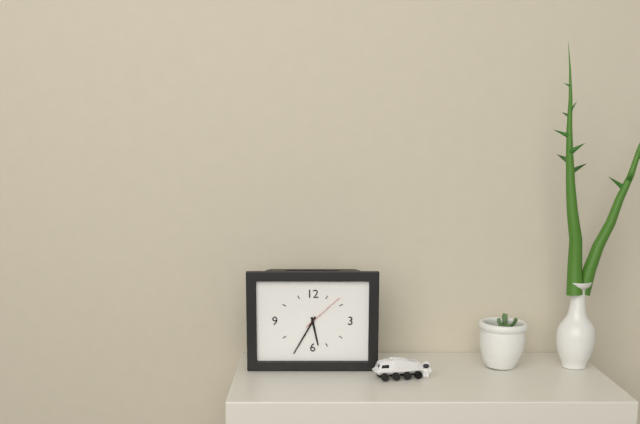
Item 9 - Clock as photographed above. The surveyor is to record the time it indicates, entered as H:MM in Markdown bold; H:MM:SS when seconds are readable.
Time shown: **5:35**
